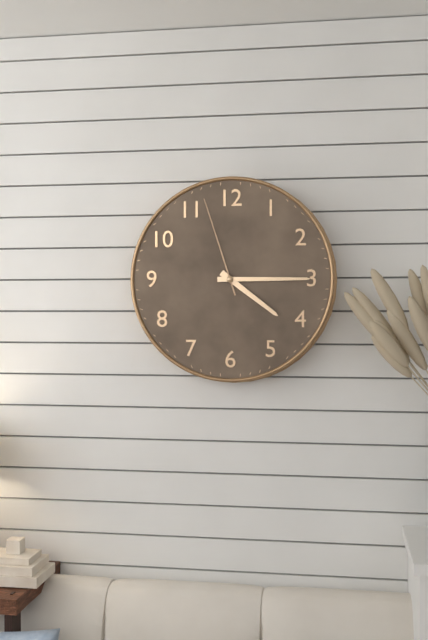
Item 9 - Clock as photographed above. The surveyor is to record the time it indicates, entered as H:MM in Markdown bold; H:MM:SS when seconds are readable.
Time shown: **4:15:57**
